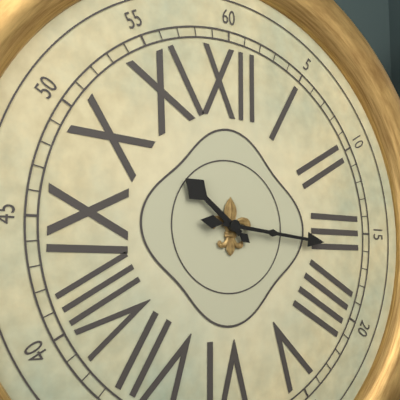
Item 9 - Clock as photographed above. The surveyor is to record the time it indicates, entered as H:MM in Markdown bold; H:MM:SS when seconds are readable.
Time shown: **10:16**
